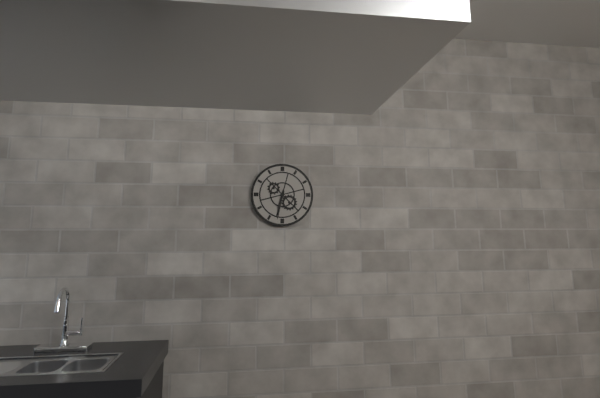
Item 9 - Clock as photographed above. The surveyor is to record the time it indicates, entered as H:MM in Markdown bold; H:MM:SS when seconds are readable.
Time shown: **6:32**
